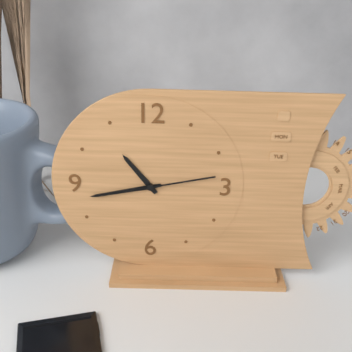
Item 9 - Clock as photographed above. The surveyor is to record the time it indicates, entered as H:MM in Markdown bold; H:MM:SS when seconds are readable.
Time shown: **10:43:13**
